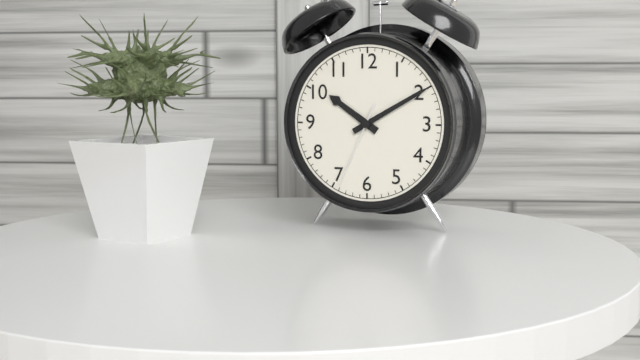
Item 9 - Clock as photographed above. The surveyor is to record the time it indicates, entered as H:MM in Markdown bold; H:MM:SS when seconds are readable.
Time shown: **10:10:34**
